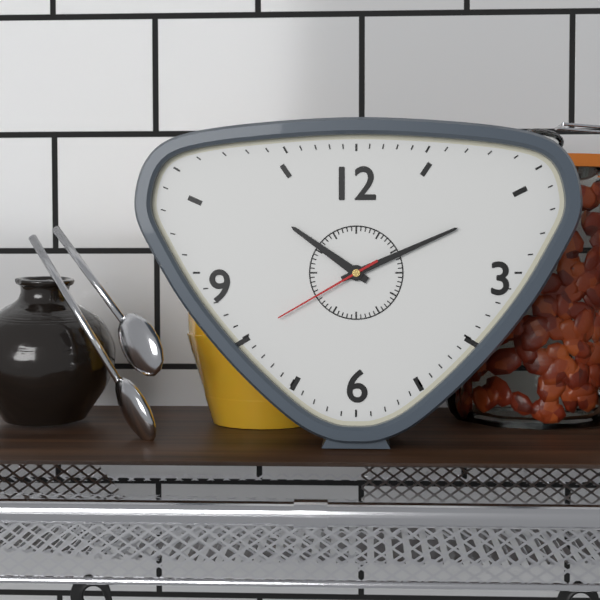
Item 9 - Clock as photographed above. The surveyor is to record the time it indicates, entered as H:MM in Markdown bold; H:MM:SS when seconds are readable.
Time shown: **10:11:40**
